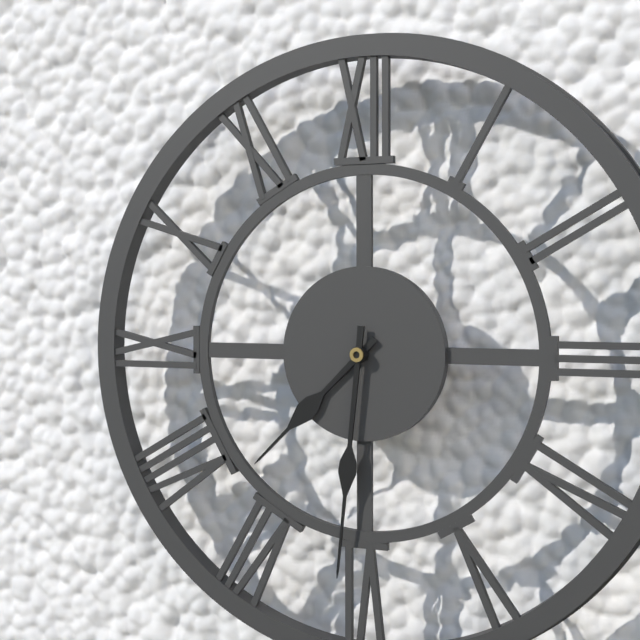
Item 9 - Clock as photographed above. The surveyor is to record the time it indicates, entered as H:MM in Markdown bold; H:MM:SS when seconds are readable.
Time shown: **7:31**
